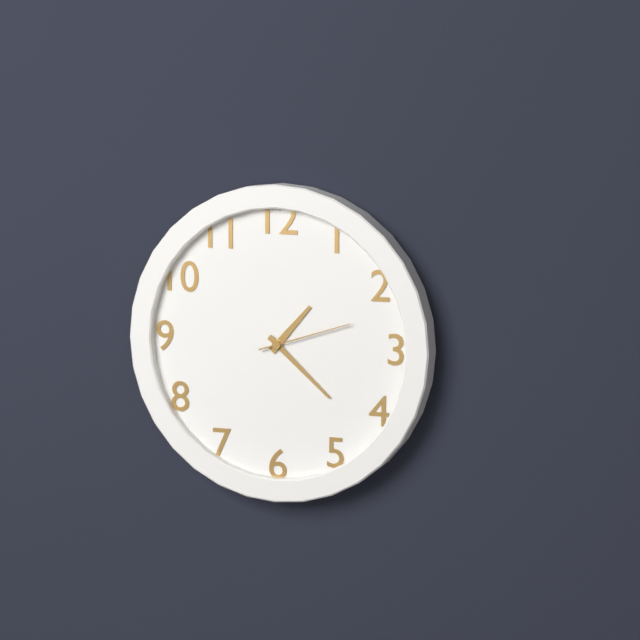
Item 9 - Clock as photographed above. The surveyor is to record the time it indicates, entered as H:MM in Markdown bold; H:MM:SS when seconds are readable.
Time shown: **1:22:12**
